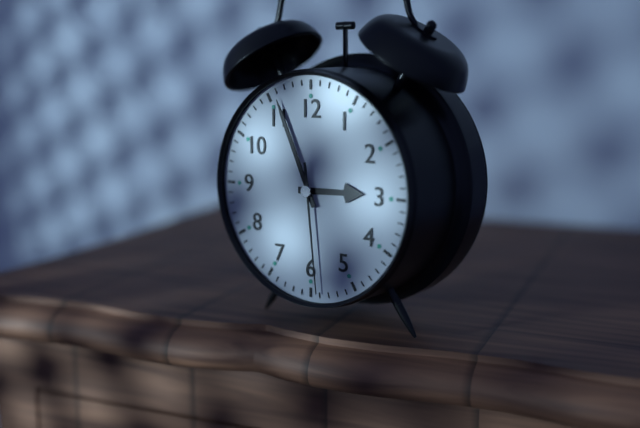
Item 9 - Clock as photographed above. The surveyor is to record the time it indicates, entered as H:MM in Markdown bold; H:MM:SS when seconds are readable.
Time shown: **2:56:29**
